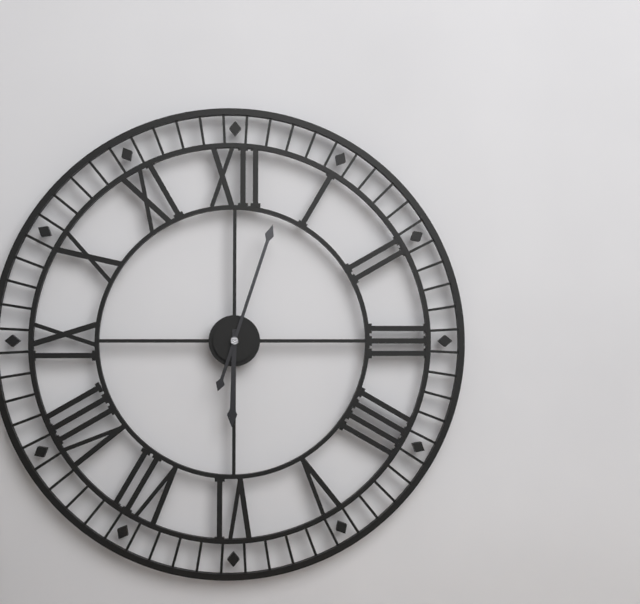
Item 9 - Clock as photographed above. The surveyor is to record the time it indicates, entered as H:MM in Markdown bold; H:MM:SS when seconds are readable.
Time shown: **6:03**
